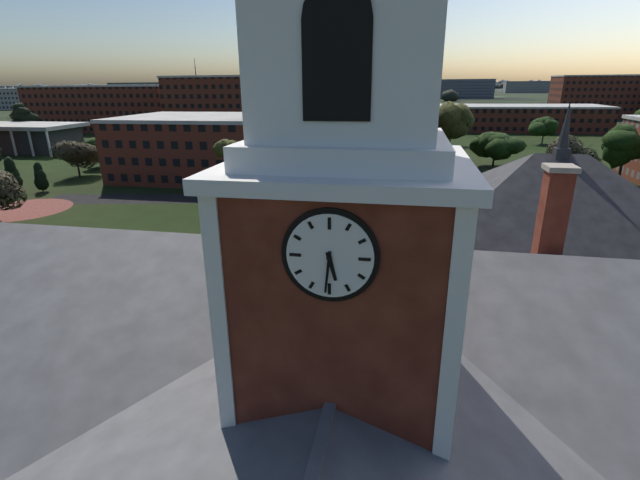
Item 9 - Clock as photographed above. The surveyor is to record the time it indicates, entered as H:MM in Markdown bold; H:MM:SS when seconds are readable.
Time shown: **5:31**
